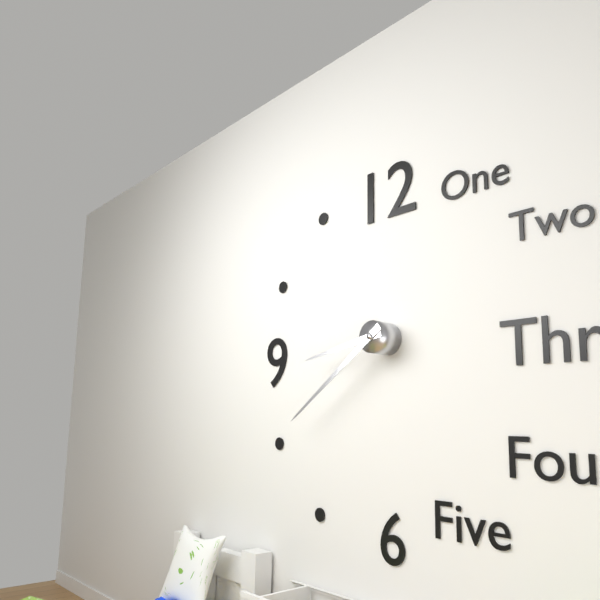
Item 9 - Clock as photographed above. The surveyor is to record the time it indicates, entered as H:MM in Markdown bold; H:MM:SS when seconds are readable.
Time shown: **8:39**
